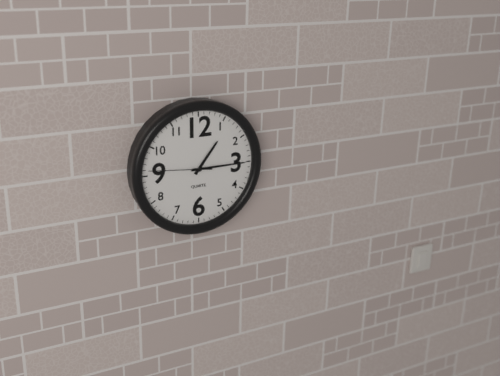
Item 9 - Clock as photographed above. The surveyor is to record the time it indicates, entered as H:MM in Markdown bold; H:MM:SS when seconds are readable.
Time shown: **1:15:46**
